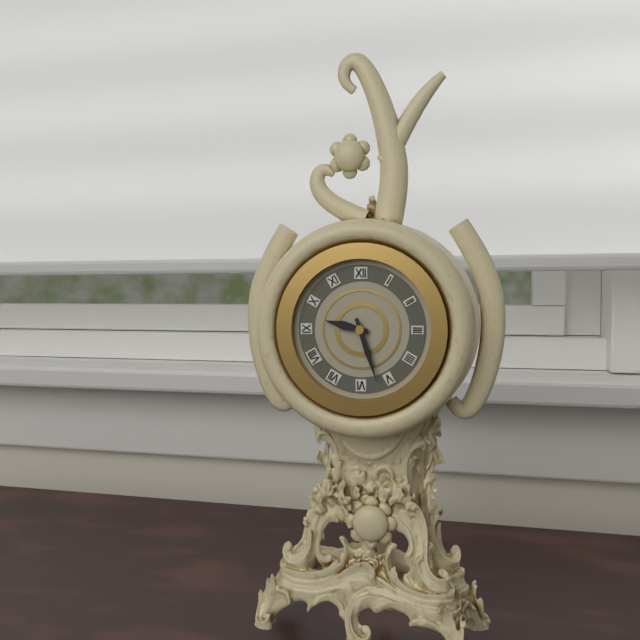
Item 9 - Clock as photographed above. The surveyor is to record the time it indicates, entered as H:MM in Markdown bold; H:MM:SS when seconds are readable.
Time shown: **9:27**
